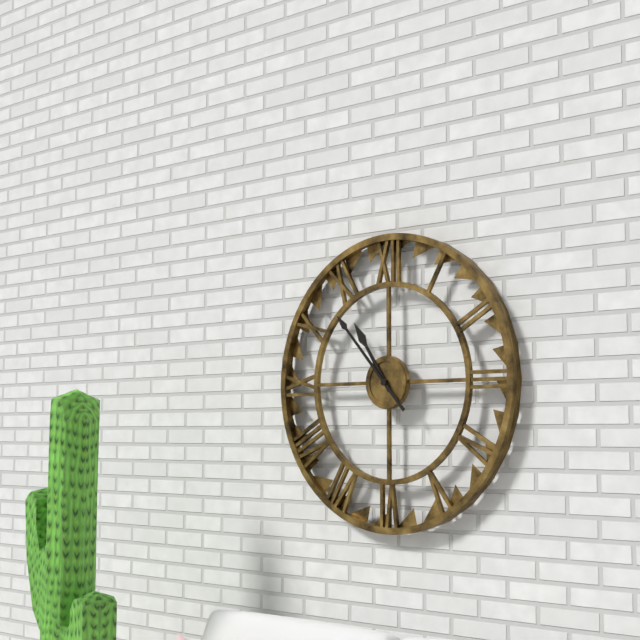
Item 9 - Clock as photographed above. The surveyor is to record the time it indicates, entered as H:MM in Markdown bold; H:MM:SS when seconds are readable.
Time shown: **10:53**
